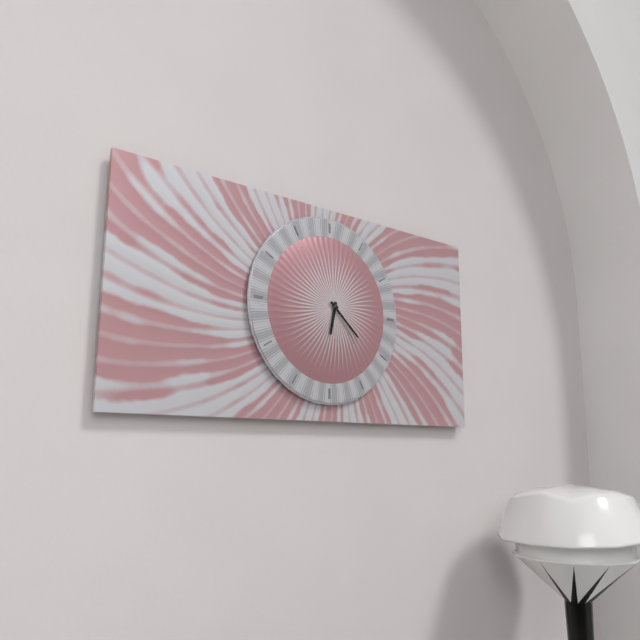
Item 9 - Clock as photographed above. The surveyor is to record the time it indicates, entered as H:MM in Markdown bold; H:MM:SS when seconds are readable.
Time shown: **6:22**
